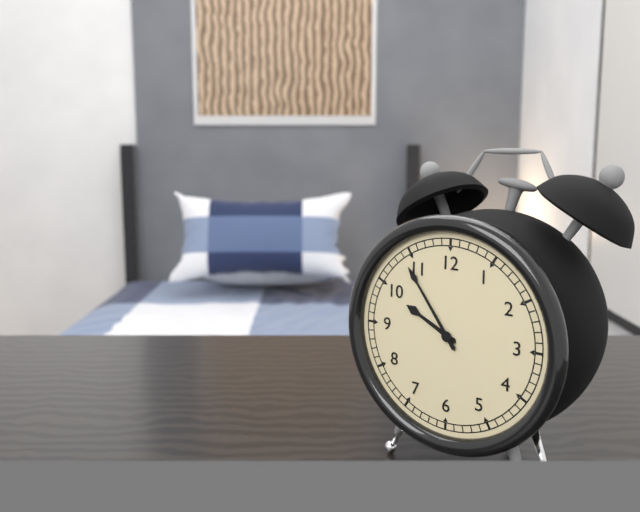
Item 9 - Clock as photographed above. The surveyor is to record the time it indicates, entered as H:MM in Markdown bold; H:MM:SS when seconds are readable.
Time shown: **9:54**
